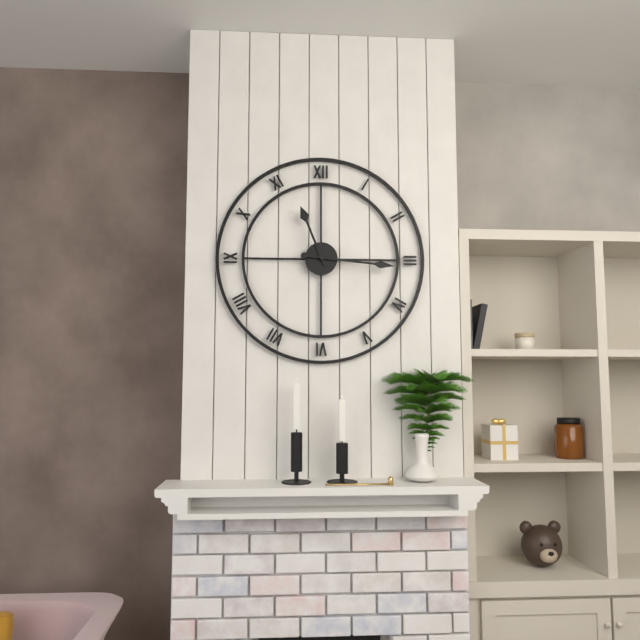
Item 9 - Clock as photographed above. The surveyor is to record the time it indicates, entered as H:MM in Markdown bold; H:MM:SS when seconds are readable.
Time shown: **11:16**
